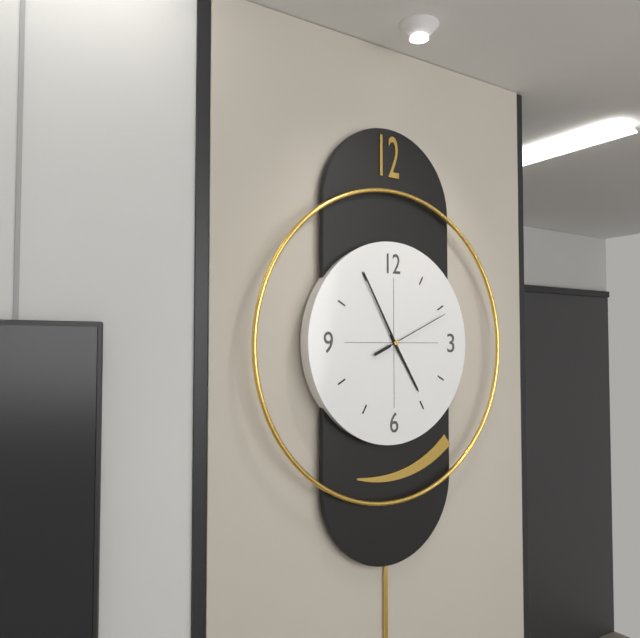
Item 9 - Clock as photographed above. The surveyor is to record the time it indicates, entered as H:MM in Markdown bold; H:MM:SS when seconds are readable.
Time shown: **4:55:11**
